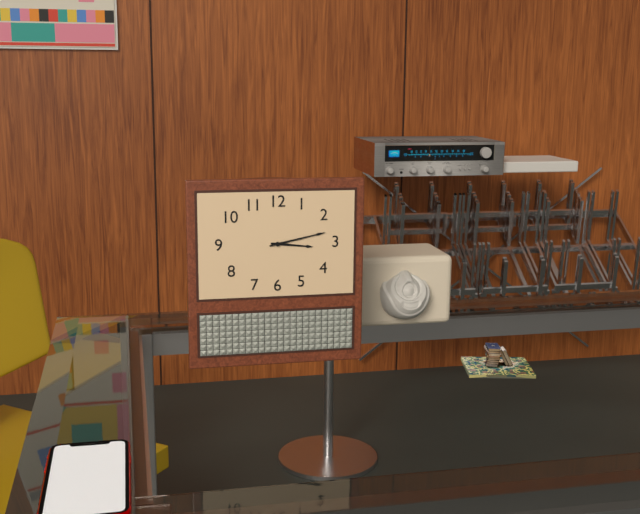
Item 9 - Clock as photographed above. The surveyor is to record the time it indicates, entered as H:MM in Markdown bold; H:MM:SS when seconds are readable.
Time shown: **3:13**
